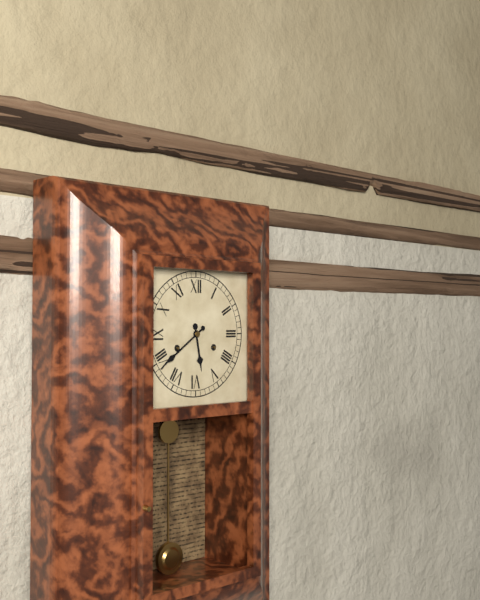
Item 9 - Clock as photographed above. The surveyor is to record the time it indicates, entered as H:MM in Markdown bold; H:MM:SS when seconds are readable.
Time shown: **5:39**
